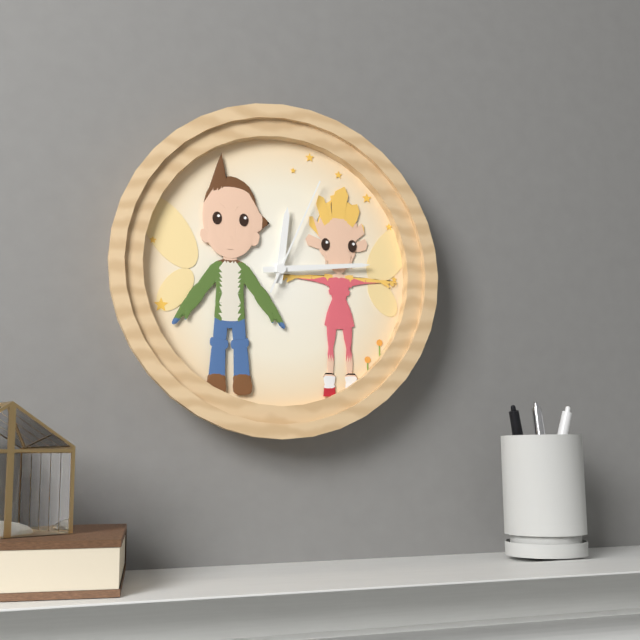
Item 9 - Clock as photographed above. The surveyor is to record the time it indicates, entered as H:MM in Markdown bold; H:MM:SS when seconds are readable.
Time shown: **12:14:04**
